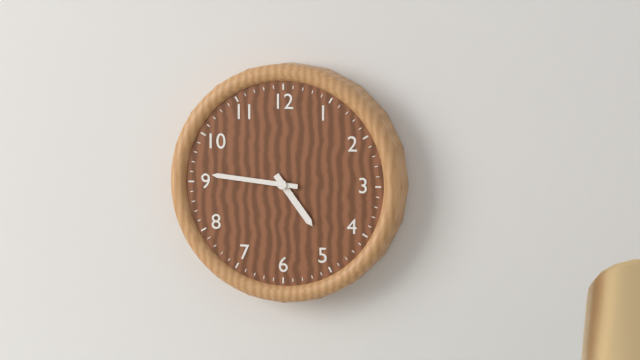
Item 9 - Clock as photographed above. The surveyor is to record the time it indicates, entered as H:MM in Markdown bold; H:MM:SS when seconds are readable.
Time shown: **4:46**
